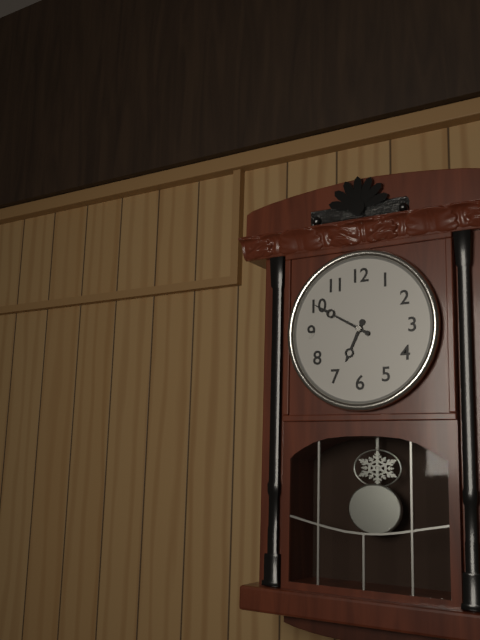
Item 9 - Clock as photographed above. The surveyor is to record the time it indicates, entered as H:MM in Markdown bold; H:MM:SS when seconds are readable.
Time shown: **6:50**
